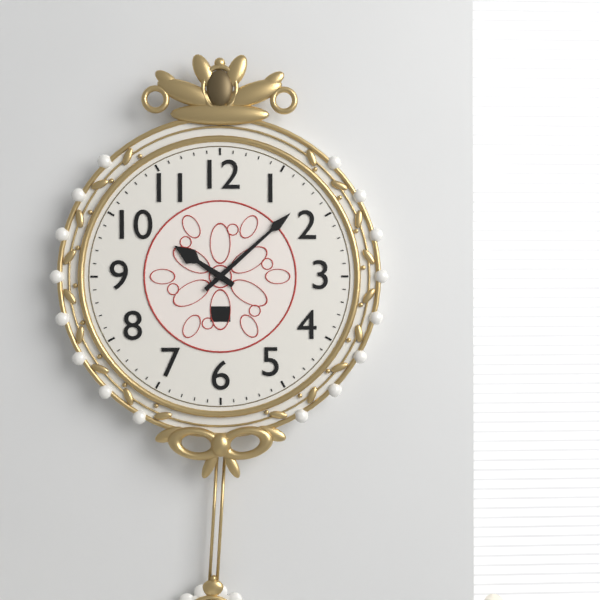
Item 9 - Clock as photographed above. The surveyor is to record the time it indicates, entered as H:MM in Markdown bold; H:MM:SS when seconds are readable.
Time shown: **10:08**
